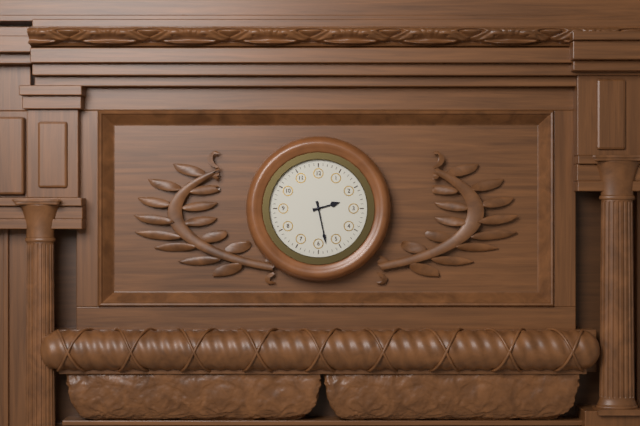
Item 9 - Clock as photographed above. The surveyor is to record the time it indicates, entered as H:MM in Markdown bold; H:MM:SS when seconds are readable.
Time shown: **2:28**
